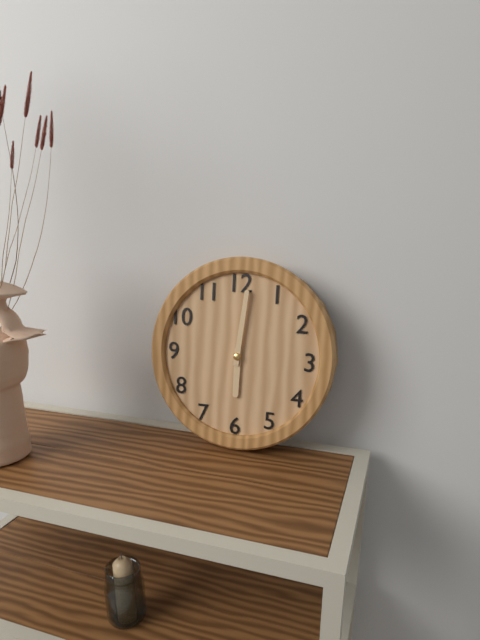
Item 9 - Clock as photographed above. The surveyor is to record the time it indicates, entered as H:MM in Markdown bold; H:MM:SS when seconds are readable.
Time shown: **6:01**
